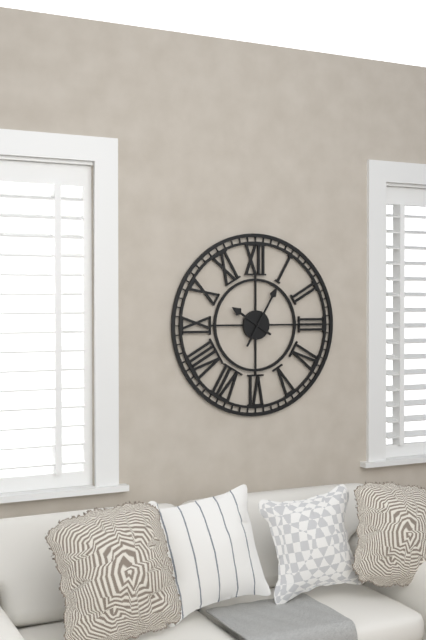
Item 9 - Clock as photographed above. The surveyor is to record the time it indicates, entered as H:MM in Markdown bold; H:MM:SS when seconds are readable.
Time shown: **10:05**
